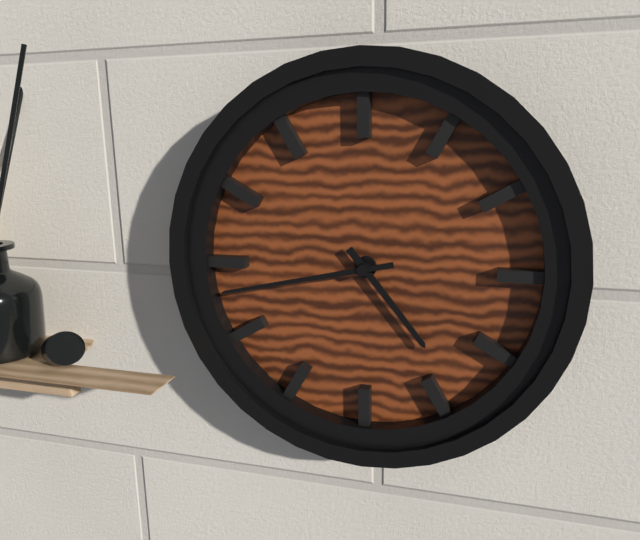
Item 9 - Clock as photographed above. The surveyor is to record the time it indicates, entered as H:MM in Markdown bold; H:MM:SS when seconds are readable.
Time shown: **4:43**
